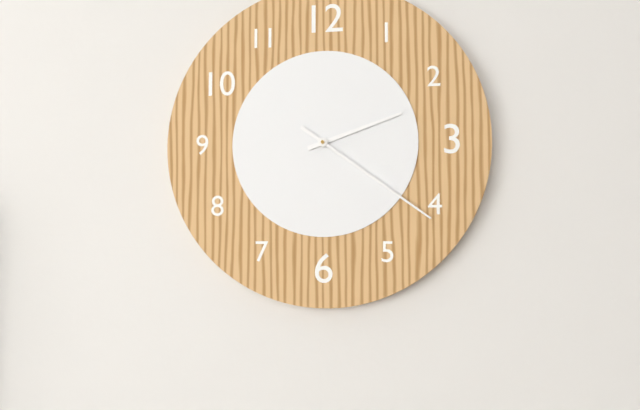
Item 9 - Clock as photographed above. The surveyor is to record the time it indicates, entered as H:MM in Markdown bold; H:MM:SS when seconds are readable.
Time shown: **2:21**
